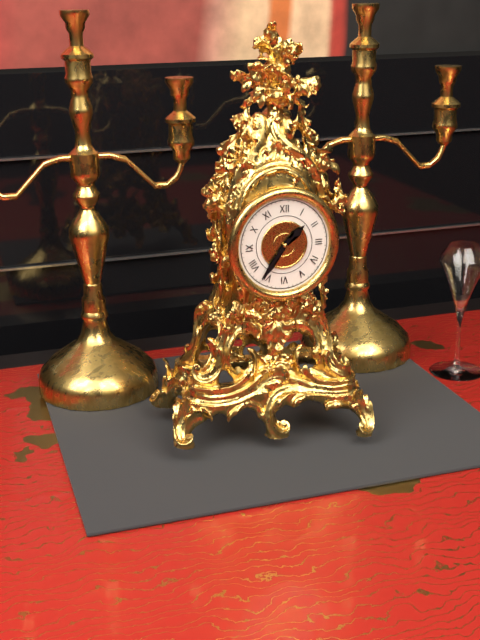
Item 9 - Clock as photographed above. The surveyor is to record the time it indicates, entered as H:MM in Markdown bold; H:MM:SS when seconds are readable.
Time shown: **1:36**
